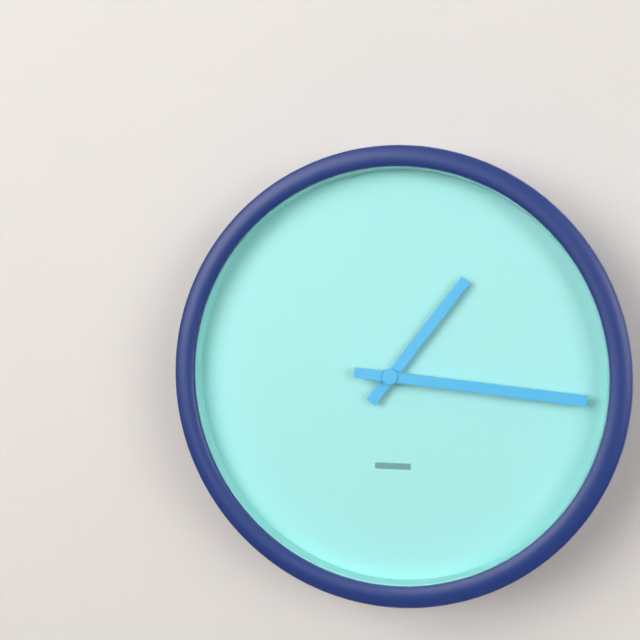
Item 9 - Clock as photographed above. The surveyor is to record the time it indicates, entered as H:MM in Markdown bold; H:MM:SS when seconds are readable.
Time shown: **1:16**
